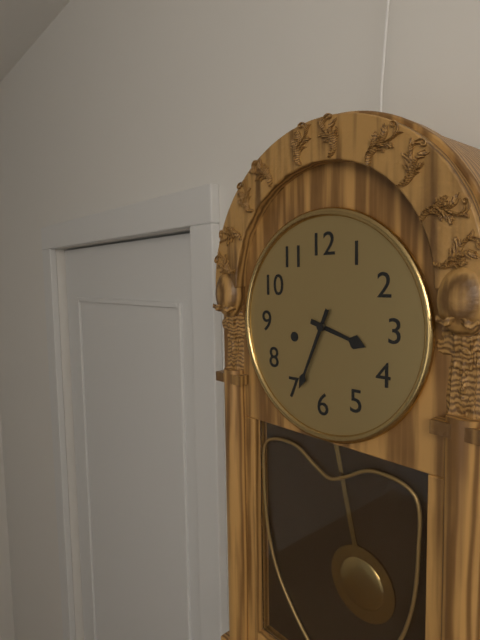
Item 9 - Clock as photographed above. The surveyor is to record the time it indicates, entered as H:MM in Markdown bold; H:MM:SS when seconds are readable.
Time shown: **3:34**
